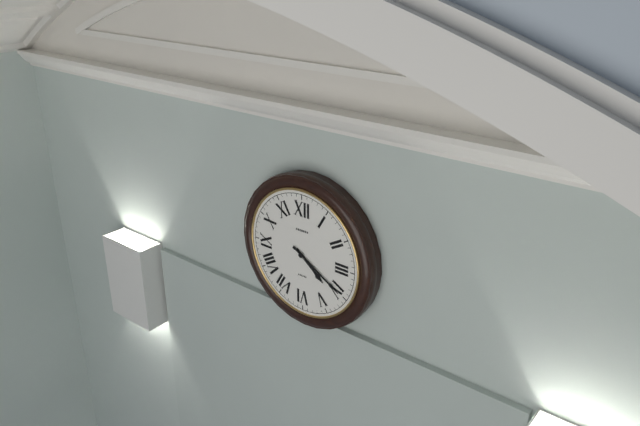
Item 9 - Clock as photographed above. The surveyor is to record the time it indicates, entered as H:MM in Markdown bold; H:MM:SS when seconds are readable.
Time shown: **4:20**
